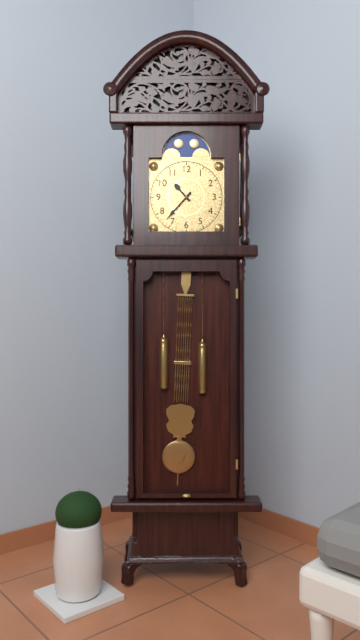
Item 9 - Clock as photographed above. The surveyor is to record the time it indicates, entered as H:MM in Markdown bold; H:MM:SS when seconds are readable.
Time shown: **10:37**
